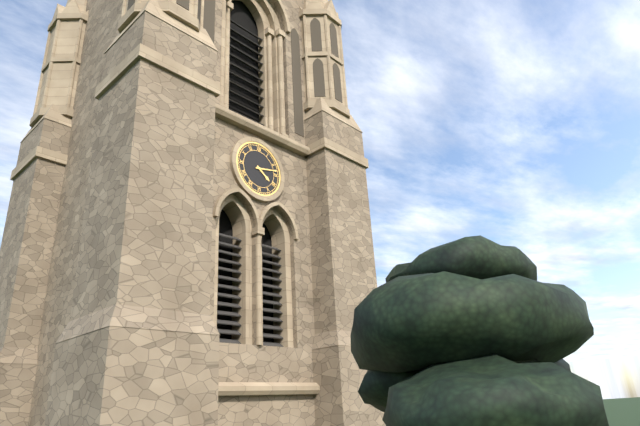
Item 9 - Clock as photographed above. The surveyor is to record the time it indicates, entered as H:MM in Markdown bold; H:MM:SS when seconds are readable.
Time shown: **4:13**
